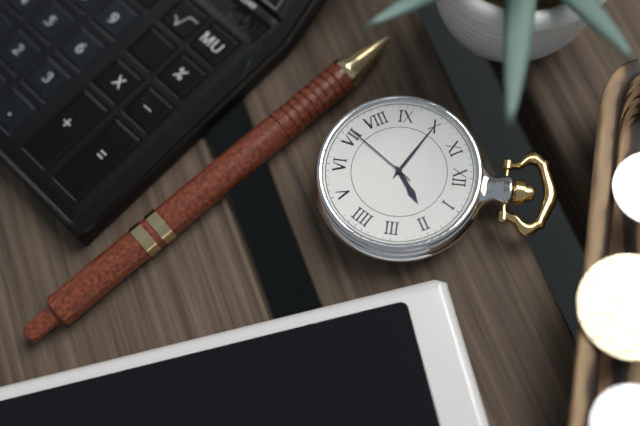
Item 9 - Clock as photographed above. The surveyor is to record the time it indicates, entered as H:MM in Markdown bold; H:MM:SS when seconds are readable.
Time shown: **1:50:36**
